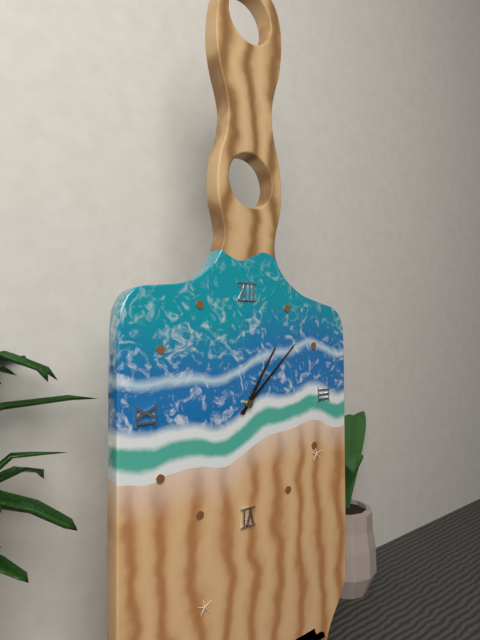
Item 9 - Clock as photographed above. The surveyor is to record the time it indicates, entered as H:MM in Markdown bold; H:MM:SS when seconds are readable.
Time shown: **1:08**
